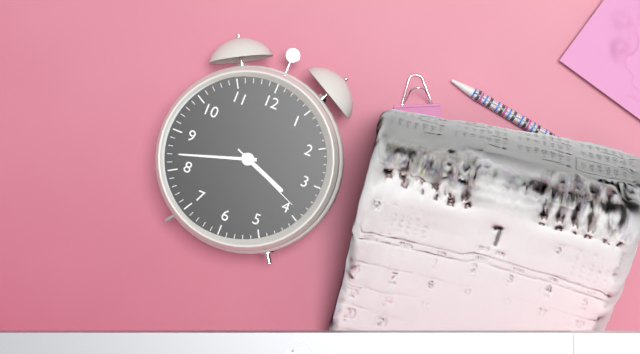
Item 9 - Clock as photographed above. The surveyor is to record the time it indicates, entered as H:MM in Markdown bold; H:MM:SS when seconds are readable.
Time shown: **3:42:19**
